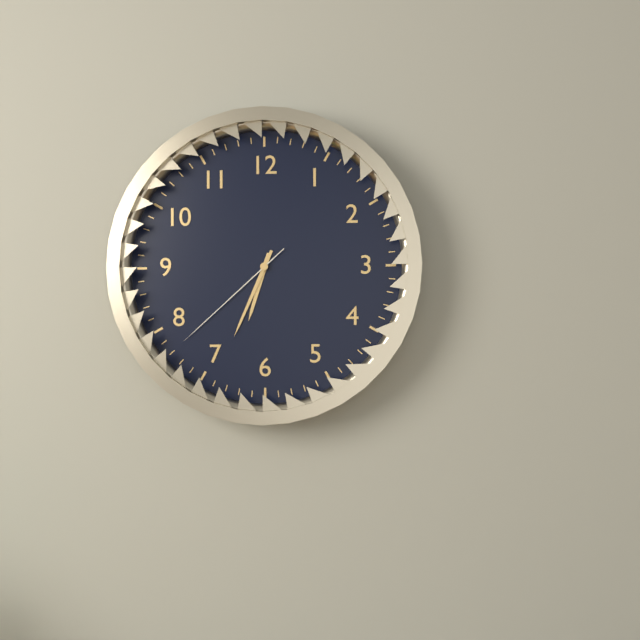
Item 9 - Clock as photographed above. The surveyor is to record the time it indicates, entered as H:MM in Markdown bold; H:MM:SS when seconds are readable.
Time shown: **6:34:38**
